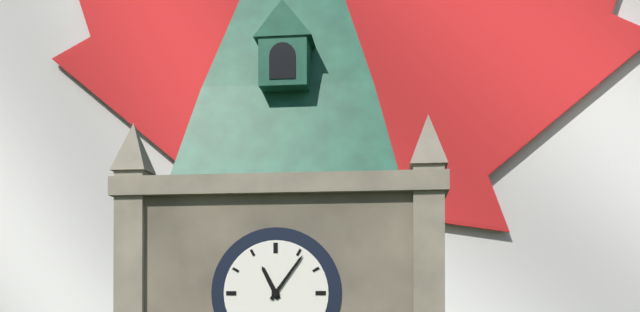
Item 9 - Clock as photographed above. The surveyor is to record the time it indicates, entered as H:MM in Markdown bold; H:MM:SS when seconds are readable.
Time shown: **11:06**
